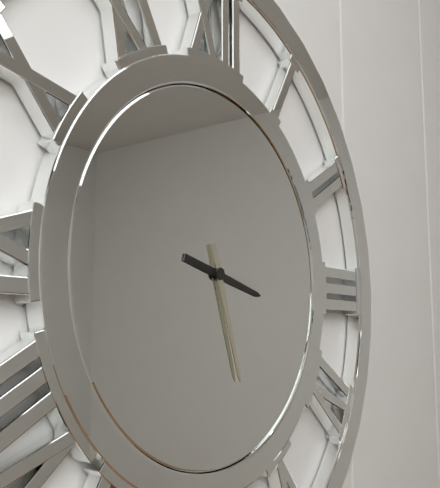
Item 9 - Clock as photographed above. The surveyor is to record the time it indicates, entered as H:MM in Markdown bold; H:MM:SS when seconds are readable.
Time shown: **3:27**
